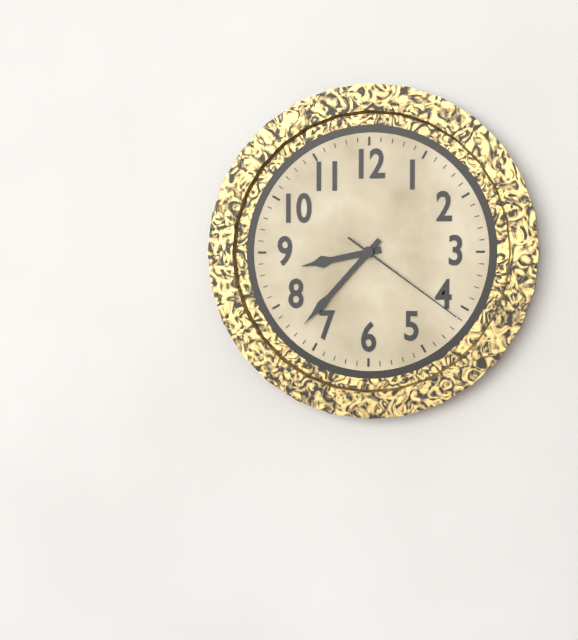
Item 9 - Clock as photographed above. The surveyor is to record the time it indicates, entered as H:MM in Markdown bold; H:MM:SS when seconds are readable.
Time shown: **8:37:21**
